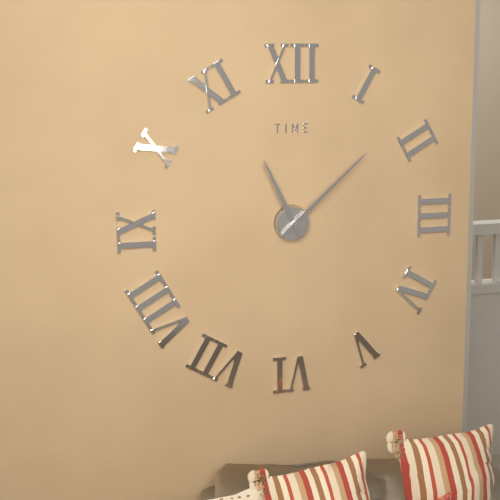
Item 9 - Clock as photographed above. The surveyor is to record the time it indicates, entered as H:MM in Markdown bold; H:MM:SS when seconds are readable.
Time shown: **11:08**
